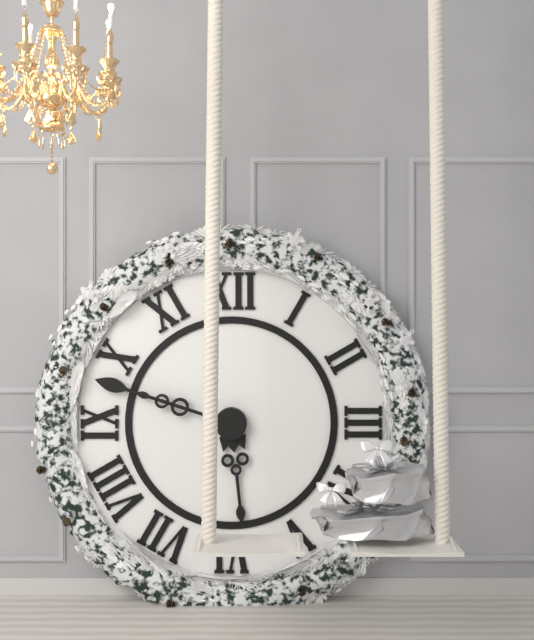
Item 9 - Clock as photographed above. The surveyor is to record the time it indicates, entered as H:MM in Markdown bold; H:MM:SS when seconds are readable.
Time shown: **5:48**
